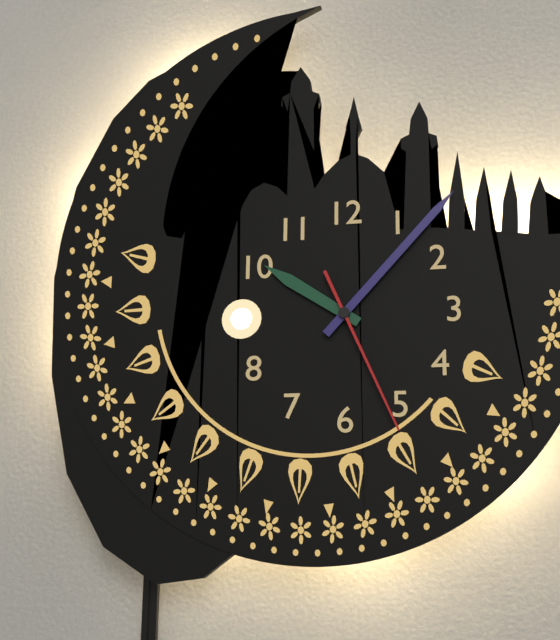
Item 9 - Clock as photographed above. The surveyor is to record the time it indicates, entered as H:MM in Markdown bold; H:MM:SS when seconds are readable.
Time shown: **10:07:26**
